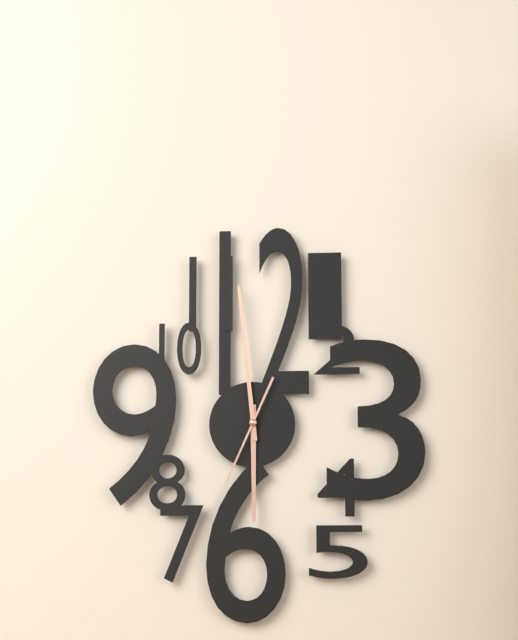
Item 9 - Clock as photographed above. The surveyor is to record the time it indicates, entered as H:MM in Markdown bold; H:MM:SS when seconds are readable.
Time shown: **5:59:34**
